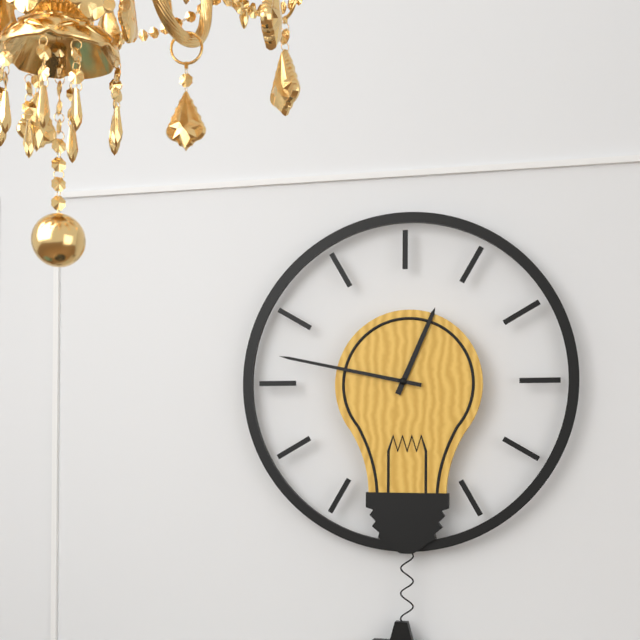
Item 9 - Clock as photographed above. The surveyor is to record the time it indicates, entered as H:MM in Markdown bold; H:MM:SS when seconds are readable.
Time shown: **12:47**
